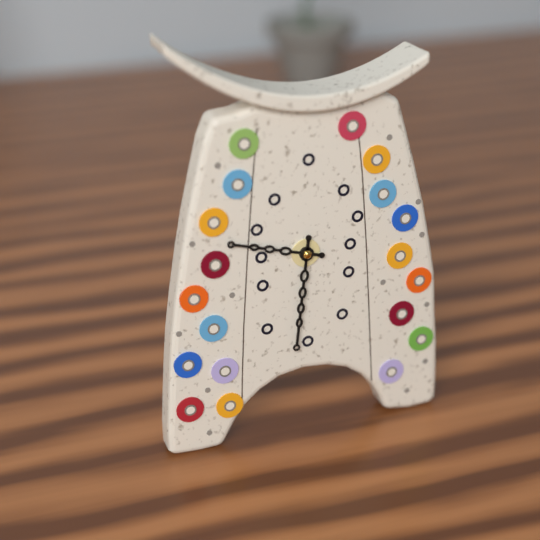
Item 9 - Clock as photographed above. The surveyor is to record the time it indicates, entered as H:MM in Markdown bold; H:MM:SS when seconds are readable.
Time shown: **9:31**
